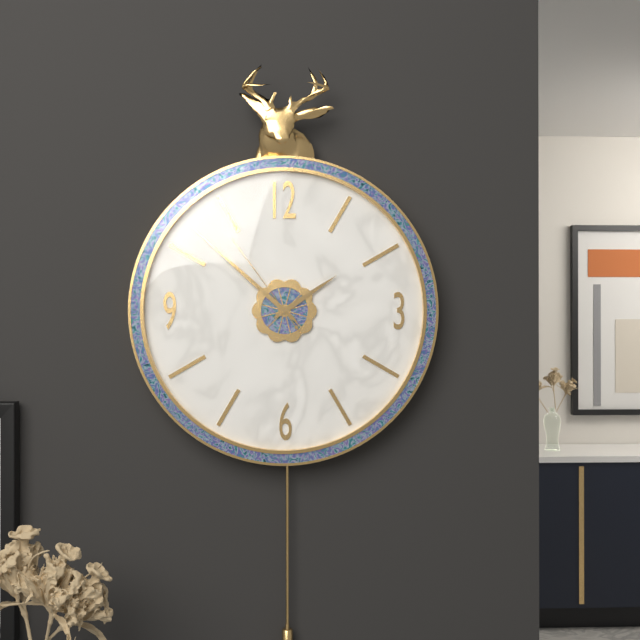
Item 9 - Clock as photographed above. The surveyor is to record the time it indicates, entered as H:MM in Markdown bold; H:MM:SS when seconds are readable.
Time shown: **1:52:54**
